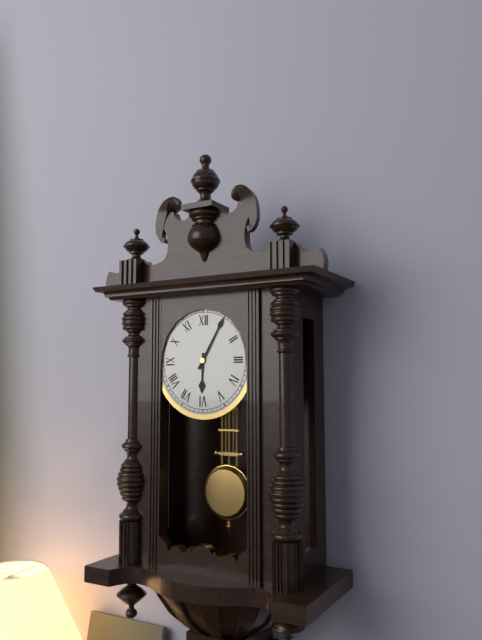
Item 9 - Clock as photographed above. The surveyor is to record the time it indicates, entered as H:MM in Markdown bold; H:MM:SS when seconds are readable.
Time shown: **6:05**
